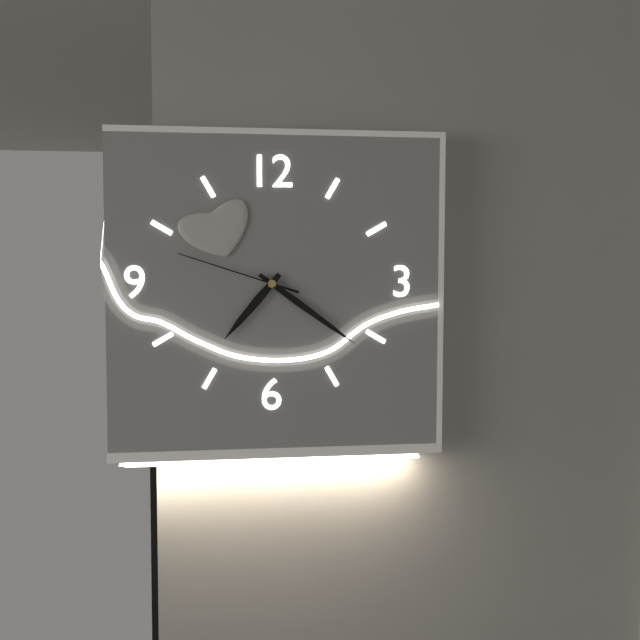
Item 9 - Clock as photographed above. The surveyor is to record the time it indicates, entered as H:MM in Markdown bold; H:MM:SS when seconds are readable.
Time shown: **7:21:48**
